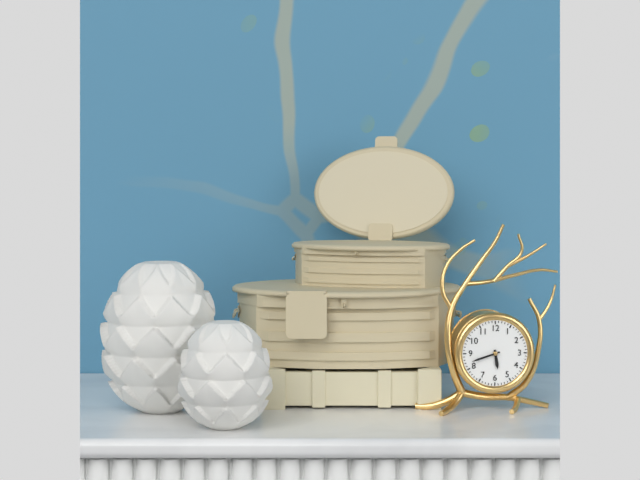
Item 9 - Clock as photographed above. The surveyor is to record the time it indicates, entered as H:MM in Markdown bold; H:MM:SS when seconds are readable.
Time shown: **5:42**
